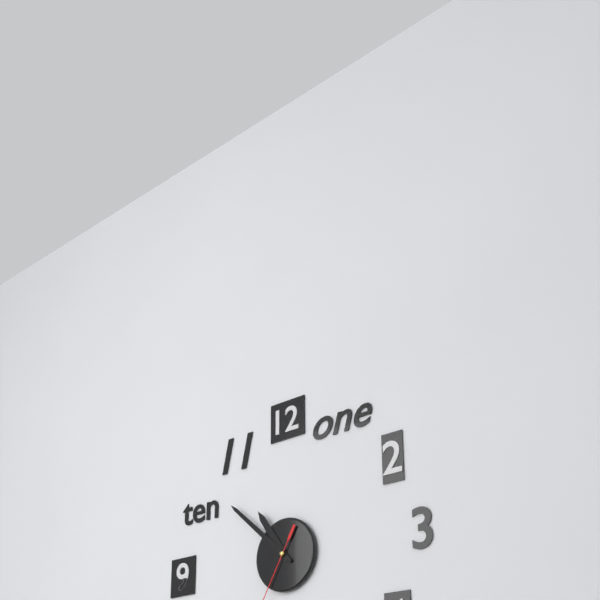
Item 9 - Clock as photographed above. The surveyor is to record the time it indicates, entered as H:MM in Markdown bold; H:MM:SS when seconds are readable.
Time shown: **10:52**
